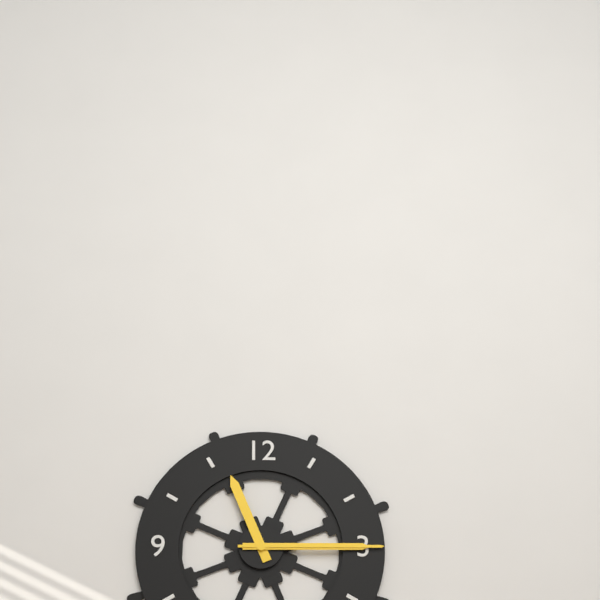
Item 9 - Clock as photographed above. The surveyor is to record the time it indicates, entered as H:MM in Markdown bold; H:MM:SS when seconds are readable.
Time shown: **11:15:15**
